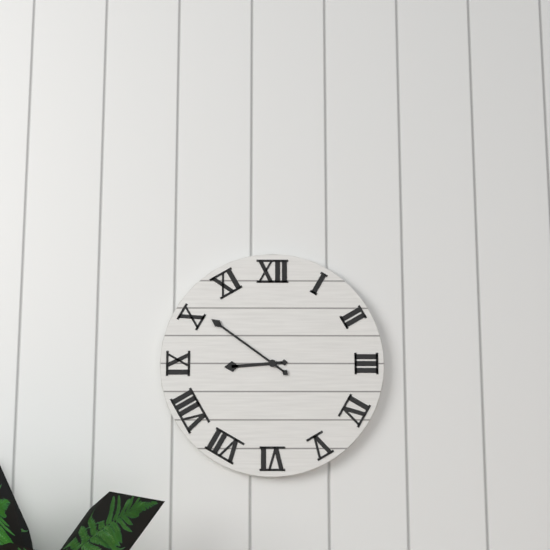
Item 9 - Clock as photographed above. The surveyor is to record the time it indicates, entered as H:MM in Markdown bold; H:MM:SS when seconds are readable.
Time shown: **8:51**
